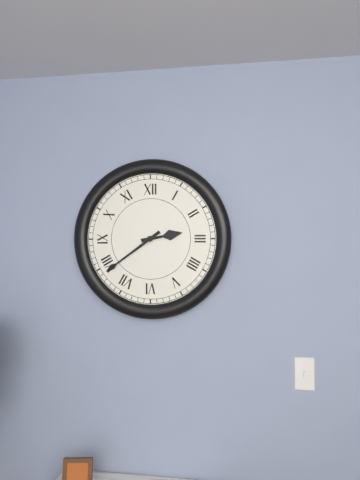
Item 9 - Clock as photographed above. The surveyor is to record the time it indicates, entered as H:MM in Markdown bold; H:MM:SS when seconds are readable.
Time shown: **2:39**
